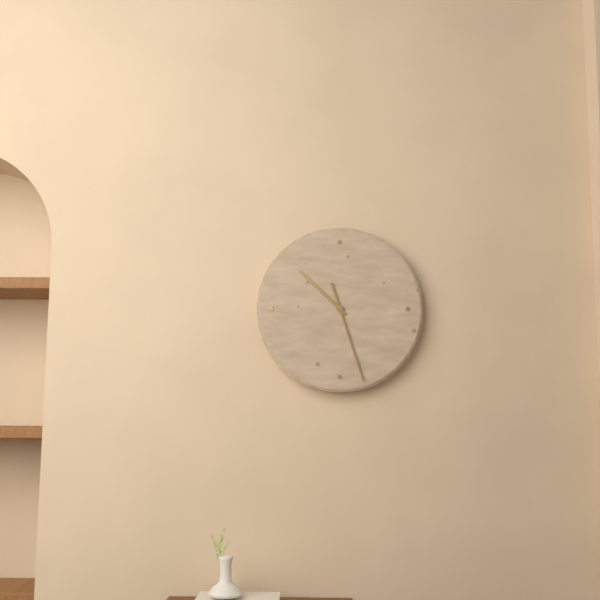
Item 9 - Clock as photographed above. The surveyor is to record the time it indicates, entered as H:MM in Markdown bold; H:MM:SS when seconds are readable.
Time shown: **10:27**
